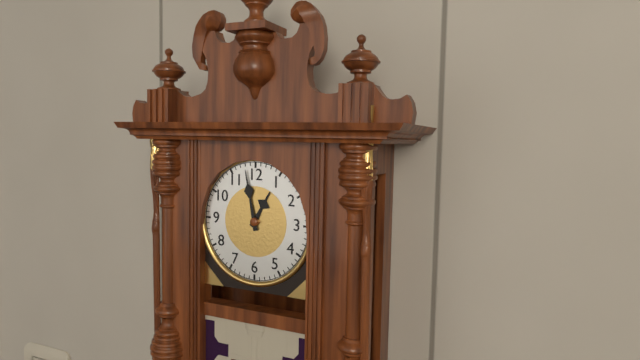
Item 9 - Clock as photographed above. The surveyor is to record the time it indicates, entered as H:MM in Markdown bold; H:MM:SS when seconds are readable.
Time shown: **12:58**
